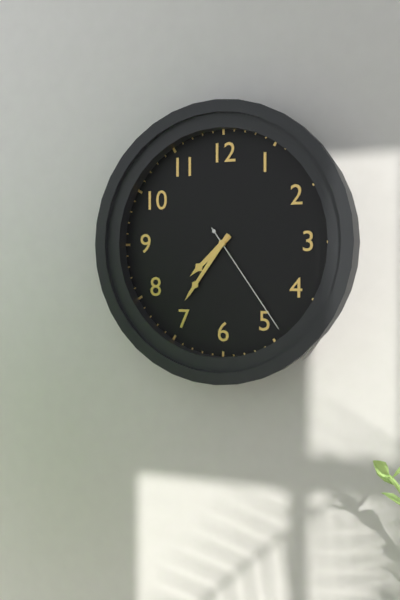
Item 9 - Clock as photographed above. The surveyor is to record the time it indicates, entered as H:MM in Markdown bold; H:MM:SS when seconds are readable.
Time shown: **7:36:24**
